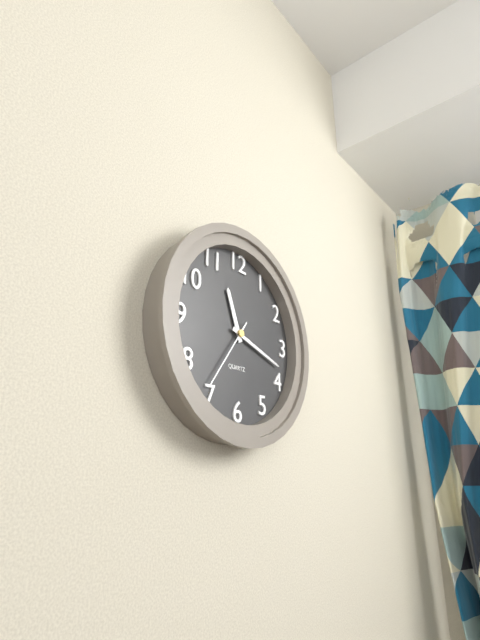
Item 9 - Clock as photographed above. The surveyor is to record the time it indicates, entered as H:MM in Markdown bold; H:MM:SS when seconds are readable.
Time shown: **11:18:36**
